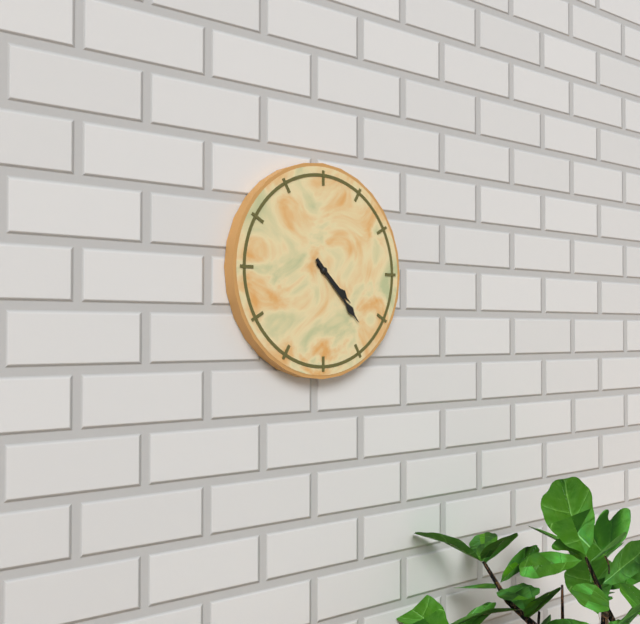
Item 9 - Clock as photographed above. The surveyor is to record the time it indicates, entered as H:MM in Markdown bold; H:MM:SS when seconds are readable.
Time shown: **4:23**
